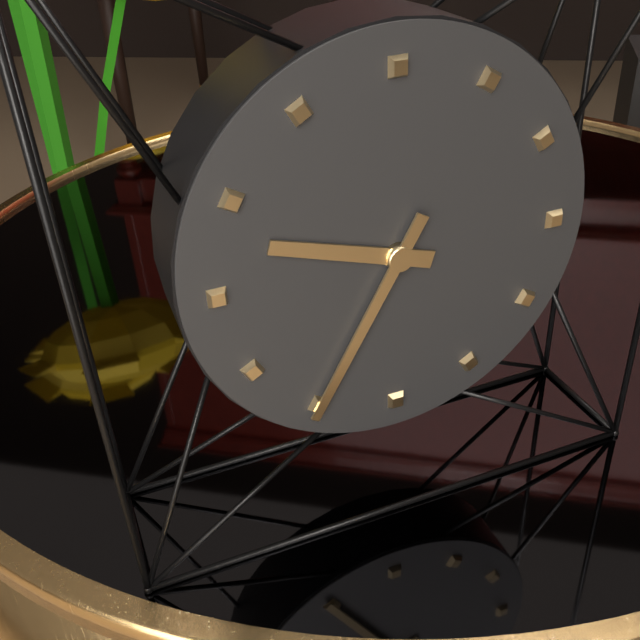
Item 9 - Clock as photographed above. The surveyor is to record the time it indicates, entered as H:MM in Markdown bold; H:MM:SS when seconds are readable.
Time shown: **9:35**
